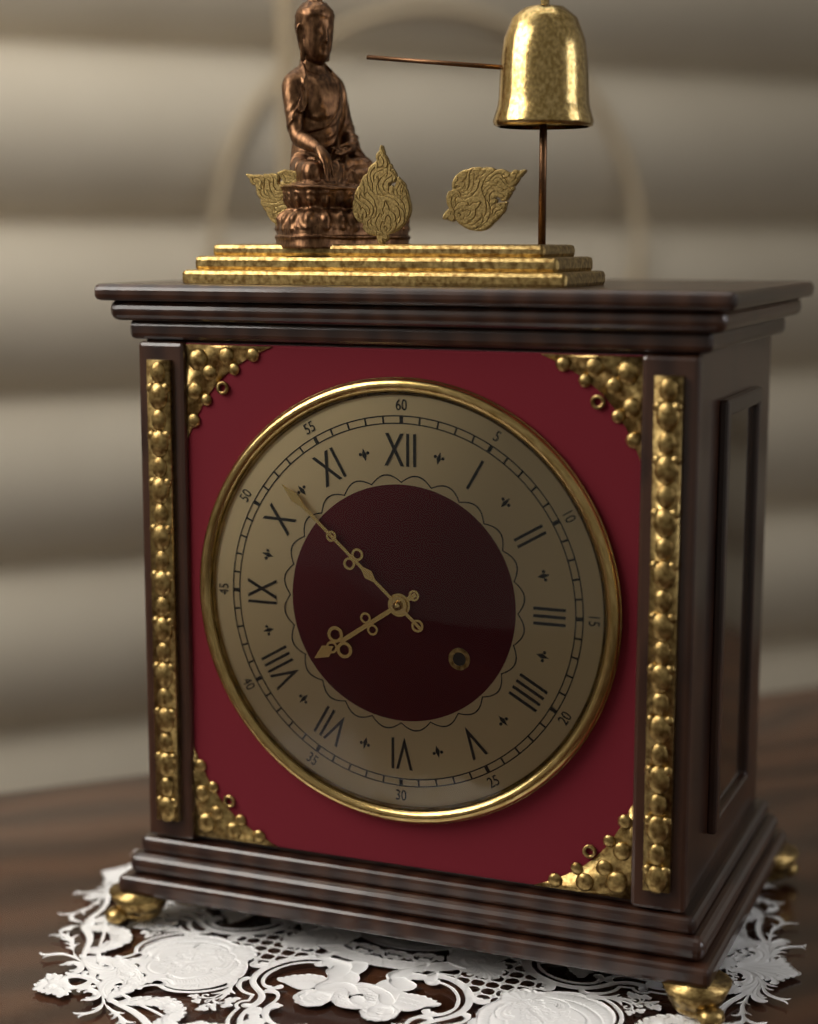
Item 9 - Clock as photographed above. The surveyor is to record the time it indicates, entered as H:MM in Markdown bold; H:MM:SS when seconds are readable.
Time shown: **7:52**
